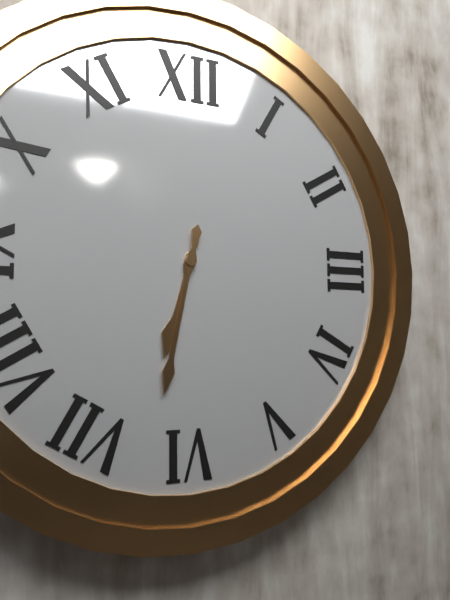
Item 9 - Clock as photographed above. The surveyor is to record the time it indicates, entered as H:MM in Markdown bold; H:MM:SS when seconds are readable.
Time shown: **6:32**
